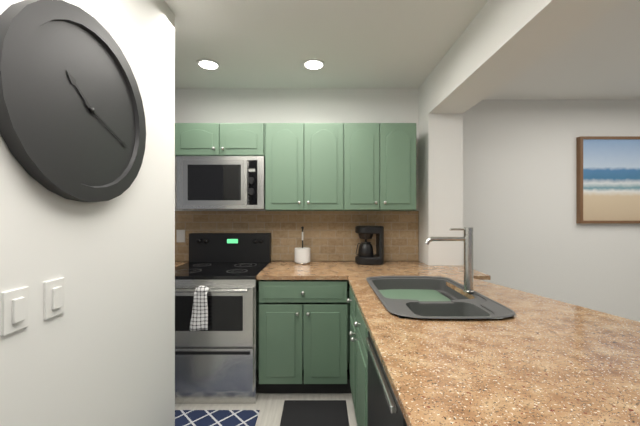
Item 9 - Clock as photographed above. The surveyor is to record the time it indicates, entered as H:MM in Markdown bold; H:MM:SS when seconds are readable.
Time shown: **10:19**
